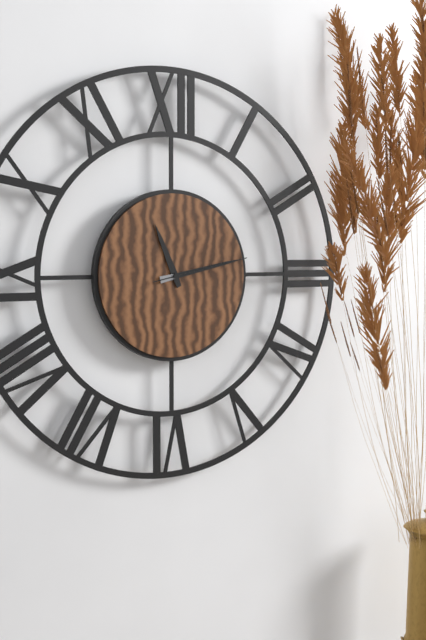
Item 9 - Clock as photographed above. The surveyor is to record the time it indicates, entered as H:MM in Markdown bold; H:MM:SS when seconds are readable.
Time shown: **11:13:13**
